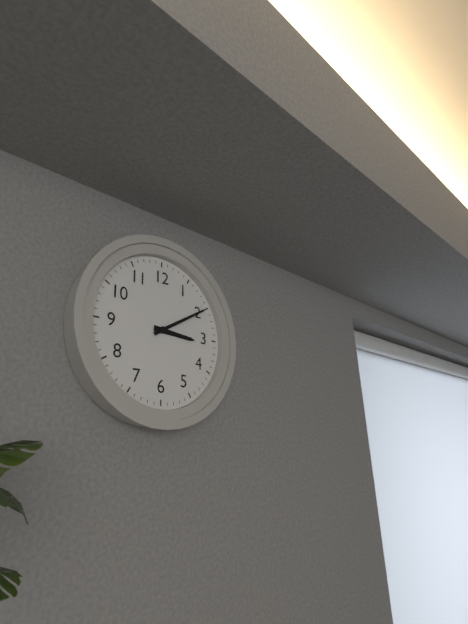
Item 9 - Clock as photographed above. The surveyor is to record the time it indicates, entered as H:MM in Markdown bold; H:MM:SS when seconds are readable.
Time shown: **3:10**
